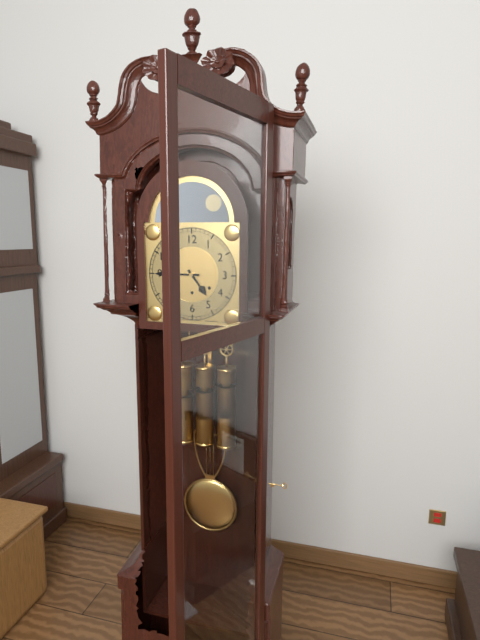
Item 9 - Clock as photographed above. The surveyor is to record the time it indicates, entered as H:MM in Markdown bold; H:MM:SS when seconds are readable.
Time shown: **4:45**
